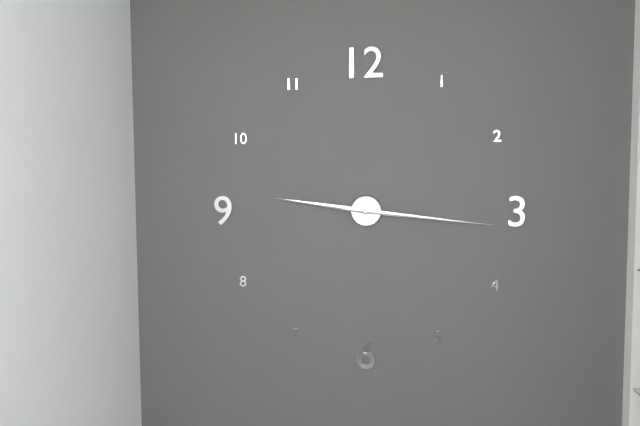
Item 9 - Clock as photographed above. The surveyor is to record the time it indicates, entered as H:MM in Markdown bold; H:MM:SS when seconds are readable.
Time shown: **9:16**
